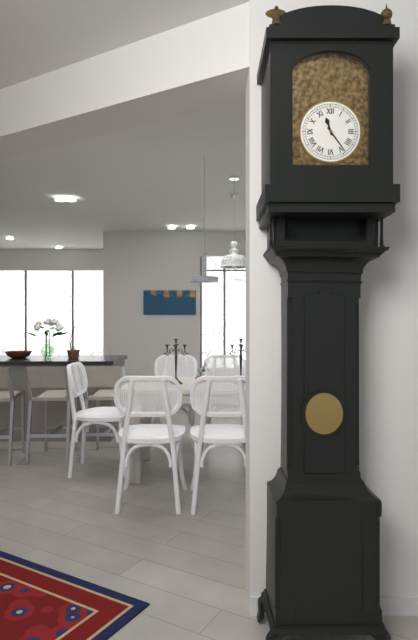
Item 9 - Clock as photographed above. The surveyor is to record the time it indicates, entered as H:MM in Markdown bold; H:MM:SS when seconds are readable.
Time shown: **11:24**
